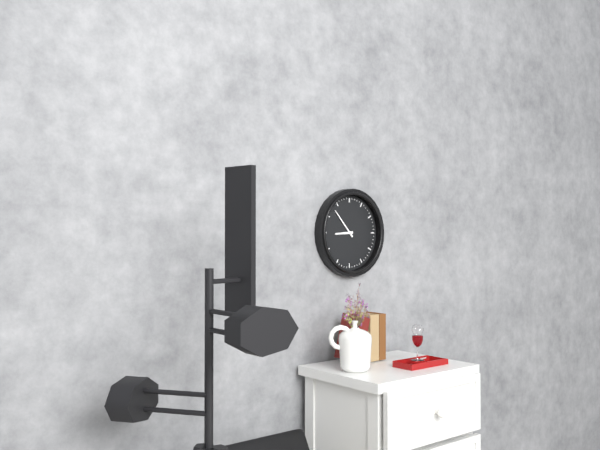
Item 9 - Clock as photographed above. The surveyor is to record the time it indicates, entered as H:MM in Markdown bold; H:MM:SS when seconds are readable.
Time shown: **8:53**
